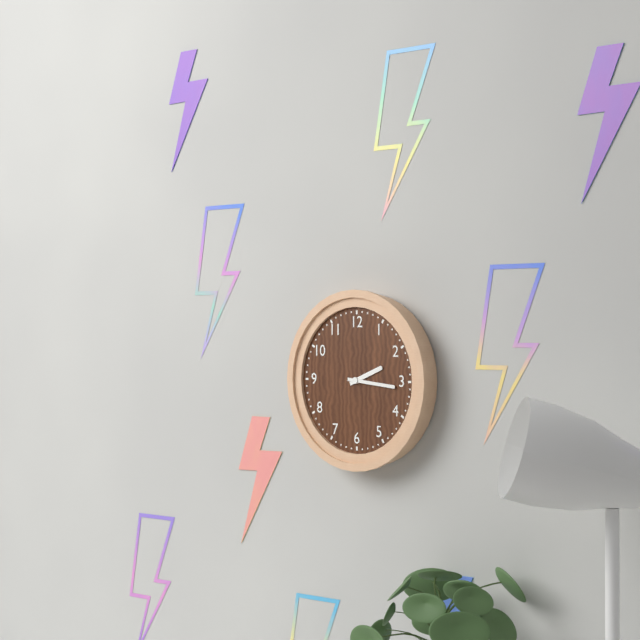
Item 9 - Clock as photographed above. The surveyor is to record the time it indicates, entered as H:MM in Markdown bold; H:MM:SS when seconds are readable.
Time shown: **2:16**
